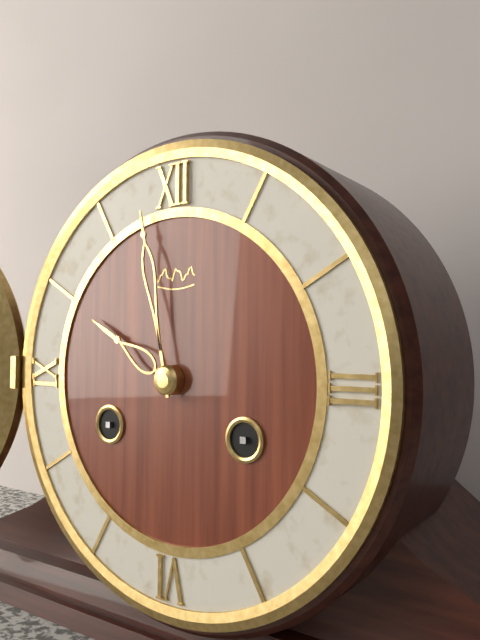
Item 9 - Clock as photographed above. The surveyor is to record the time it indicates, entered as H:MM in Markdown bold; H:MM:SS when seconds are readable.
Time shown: **9:58**
